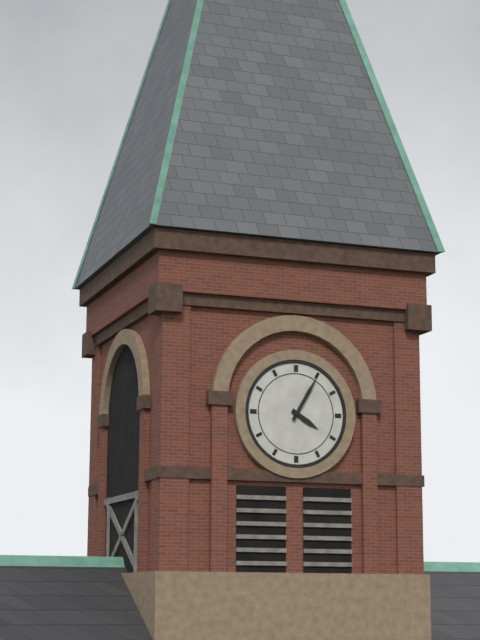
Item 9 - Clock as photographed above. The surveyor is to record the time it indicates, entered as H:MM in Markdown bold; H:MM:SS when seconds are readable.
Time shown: **4:05**
